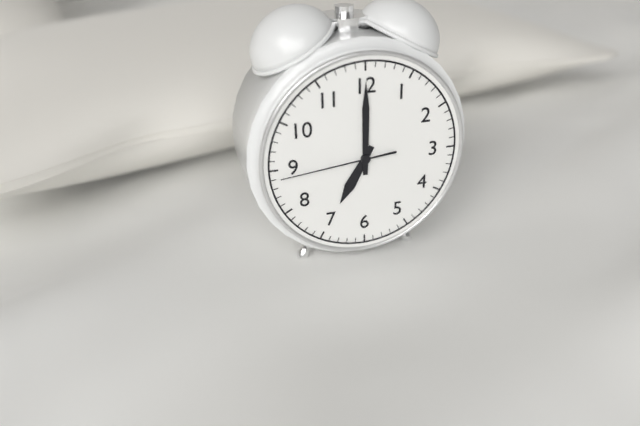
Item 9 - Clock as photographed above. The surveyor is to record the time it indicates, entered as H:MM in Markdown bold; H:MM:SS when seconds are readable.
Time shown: **7:00:44**
